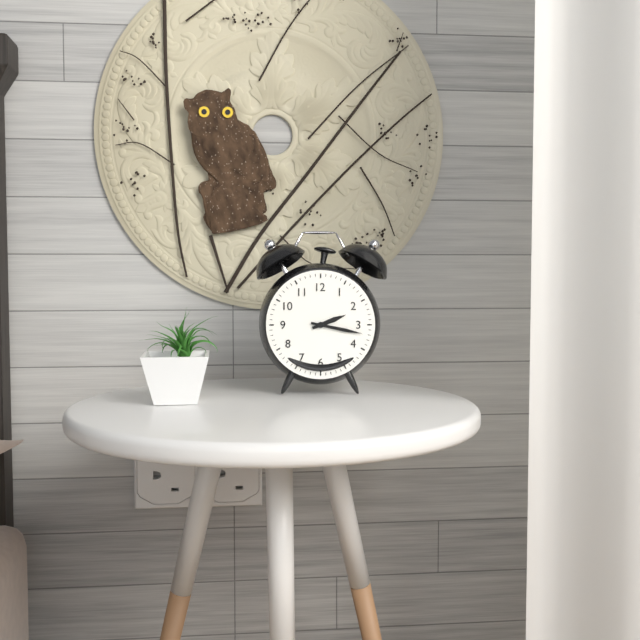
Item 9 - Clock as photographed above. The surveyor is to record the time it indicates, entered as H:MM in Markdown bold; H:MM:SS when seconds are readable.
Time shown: **2:17**
